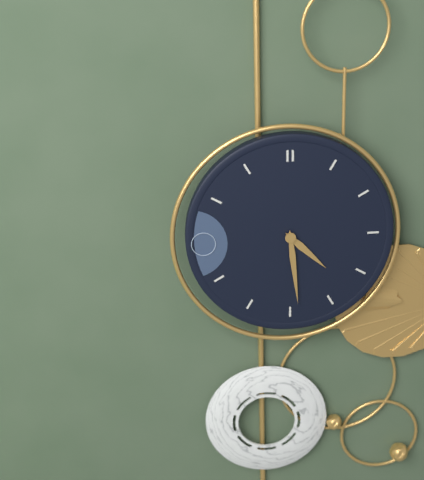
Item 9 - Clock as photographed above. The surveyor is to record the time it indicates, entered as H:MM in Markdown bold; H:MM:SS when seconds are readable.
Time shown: **4:29**
